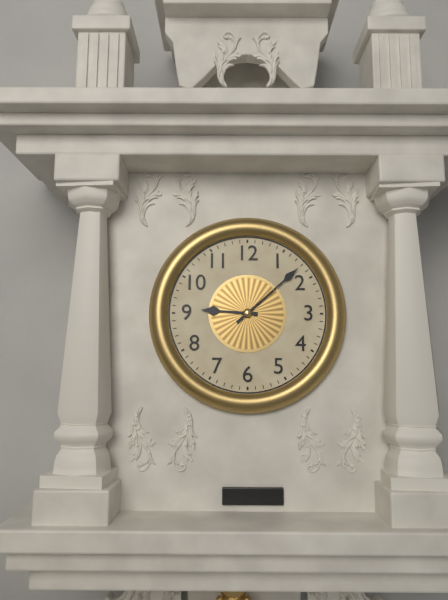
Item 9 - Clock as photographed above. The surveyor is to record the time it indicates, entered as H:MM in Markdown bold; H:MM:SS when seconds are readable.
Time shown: **9:08**
